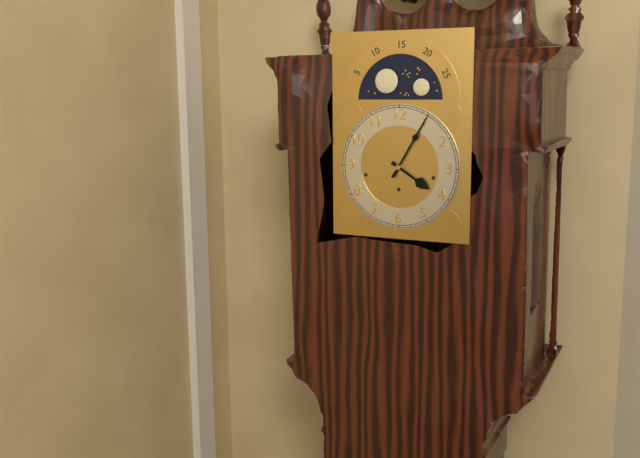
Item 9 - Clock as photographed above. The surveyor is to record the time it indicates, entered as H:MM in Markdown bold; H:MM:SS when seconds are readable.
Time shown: **4:05**
